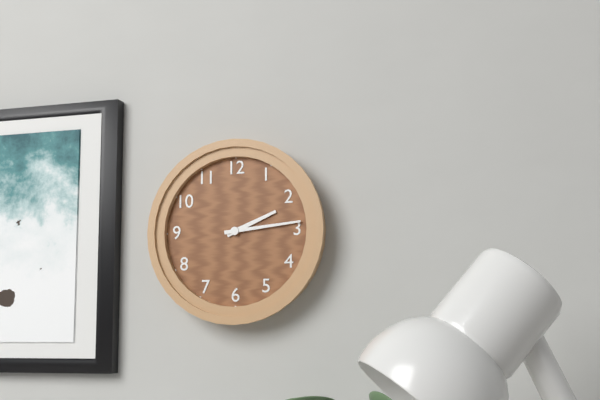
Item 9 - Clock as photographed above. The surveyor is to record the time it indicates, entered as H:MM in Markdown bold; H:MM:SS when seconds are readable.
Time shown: **2:14**
